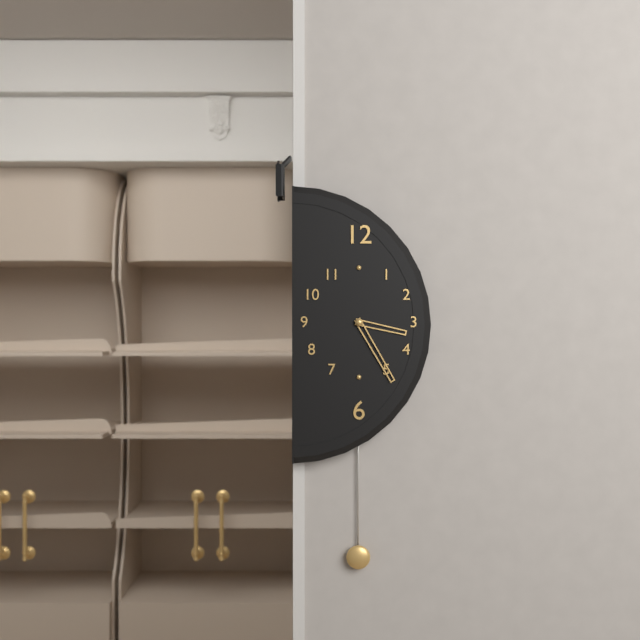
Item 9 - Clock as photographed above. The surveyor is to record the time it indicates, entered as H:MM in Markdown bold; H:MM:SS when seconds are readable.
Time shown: **3:25**
